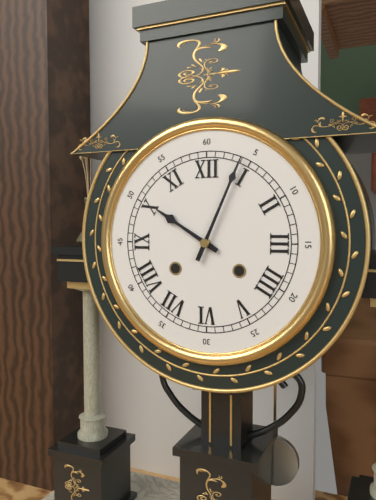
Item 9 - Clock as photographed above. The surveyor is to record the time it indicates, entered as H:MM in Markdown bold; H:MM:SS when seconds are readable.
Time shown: **10:04**
